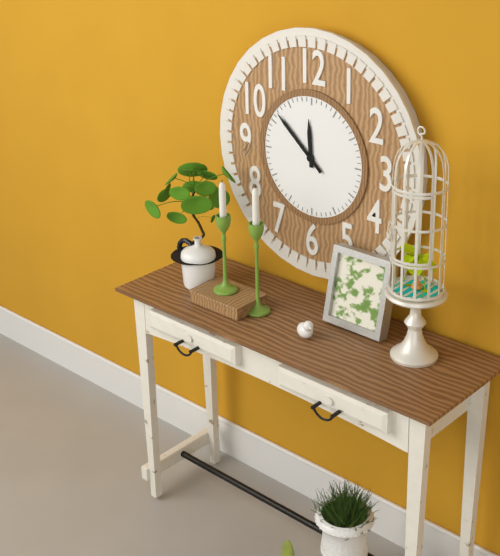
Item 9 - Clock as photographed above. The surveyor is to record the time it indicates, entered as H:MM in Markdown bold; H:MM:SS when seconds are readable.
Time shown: **11:52**
